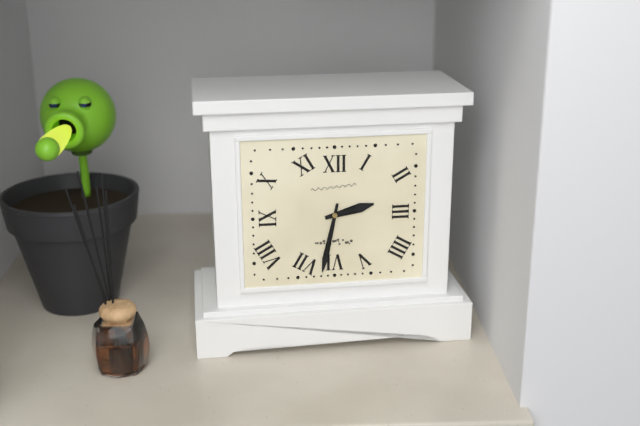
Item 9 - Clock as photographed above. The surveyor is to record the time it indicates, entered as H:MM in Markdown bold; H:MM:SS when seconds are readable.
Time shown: **2:32**
